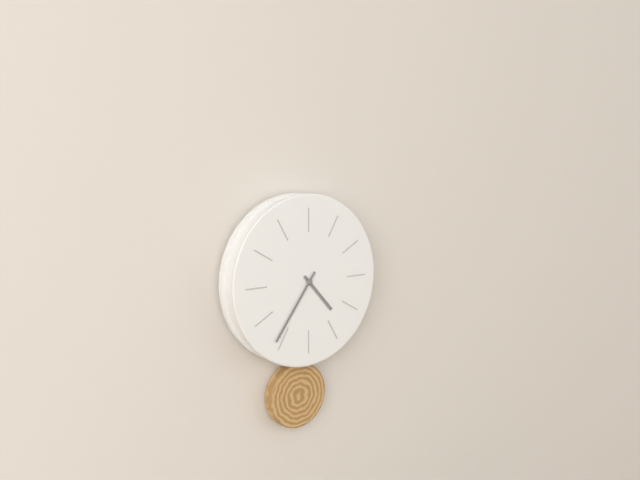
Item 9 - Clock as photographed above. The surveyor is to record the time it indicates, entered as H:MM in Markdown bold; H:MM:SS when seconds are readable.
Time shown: **4:36**
